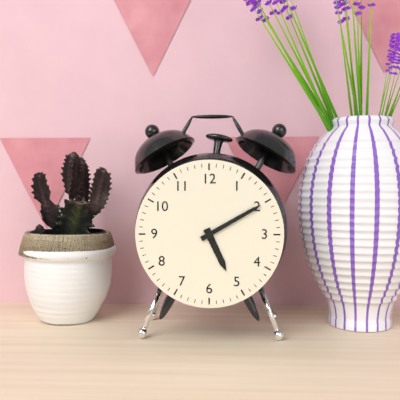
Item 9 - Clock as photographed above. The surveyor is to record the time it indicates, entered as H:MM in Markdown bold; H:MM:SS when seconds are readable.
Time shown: **5:10**
